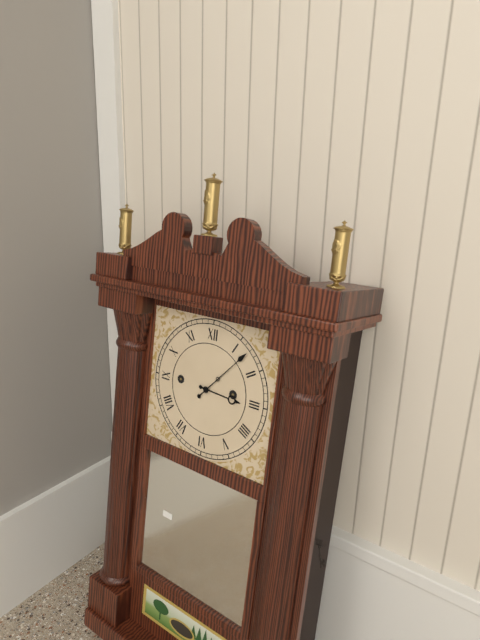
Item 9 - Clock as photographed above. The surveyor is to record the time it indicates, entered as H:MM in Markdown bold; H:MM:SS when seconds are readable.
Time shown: **3:07**
